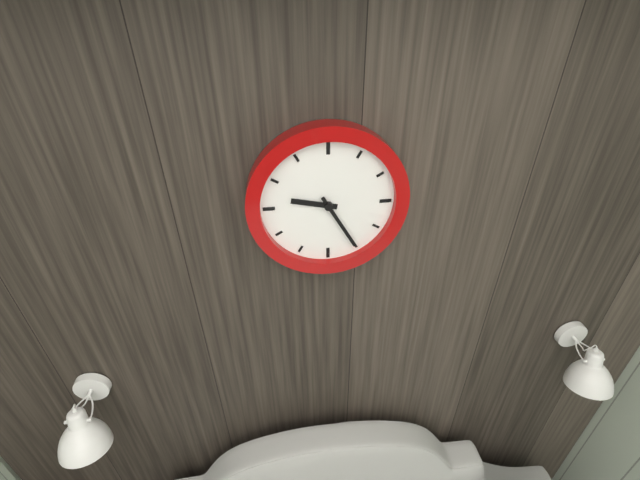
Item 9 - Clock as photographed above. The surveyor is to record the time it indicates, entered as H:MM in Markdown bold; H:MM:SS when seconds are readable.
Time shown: **9:25**
